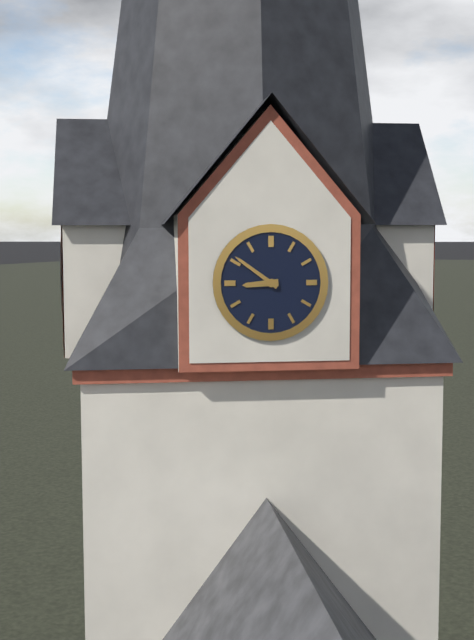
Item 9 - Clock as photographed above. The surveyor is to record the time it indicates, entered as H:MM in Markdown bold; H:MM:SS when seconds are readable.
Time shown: **8:51**
